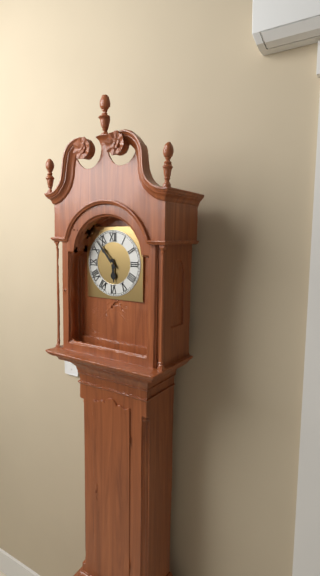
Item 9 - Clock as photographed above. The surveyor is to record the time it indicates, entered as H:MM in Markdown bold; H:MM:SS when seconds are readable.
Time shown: **5:53**
